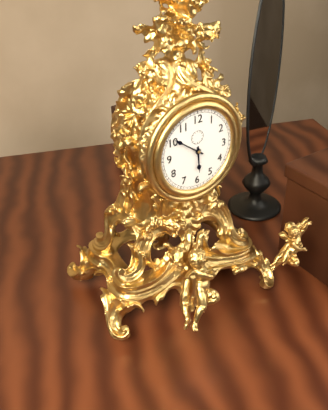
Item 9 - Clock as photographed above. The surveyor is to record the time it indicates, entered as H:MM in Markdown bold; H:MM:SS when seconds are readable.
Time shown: **5:51**
